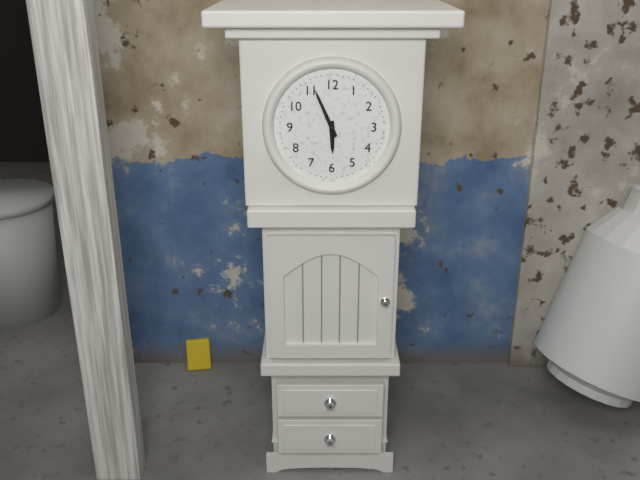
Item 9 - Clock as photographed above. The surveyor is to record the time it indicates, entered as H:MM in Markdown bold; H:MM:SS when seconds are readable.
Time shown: **5:56**
